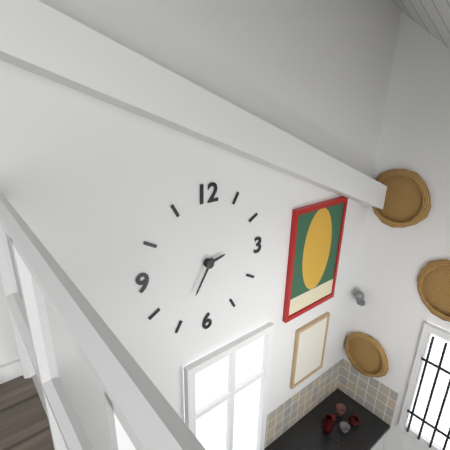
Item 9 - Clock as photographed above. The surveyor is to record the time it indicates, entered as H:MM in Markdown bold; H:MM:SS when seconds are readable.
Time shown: **2:35**
